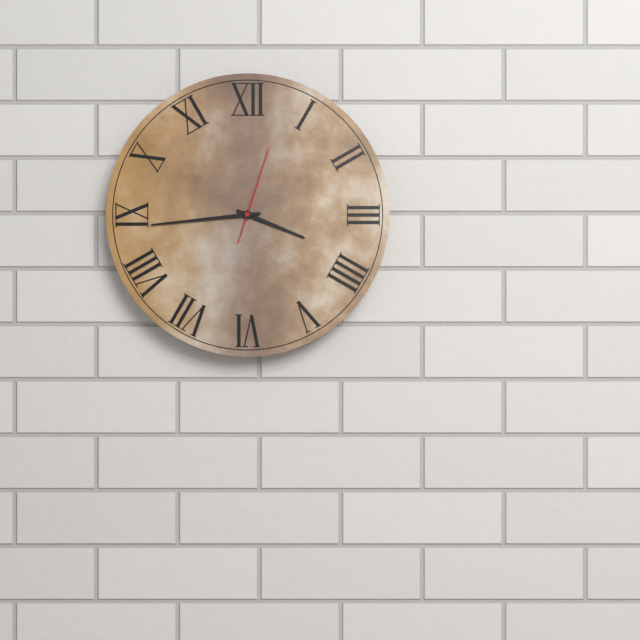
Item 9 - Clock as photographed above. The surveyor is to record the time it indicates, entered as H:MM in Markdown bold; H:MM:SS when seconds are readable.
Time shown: **3:44:03**
